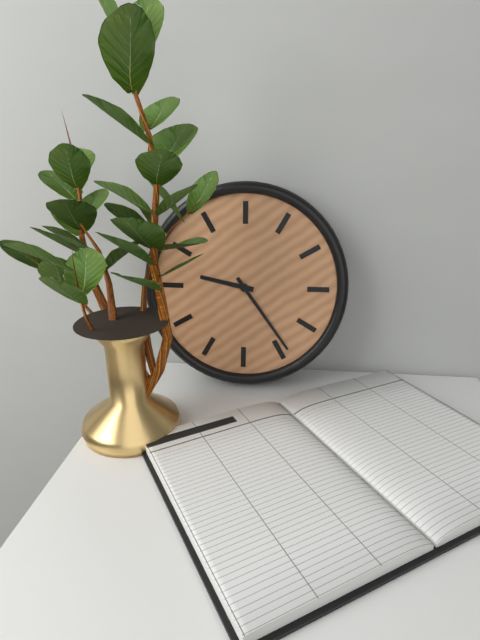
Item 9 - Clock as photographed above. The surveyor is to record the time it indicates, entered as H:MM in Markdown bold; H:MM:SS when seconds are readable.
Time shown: **9:24**
